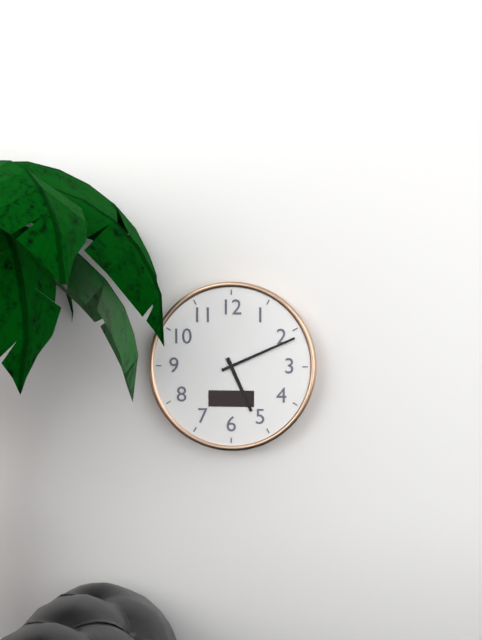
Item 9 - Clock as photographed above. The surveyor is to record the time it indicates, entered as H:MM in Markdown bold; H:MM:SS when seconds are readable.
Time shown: **5:11**
